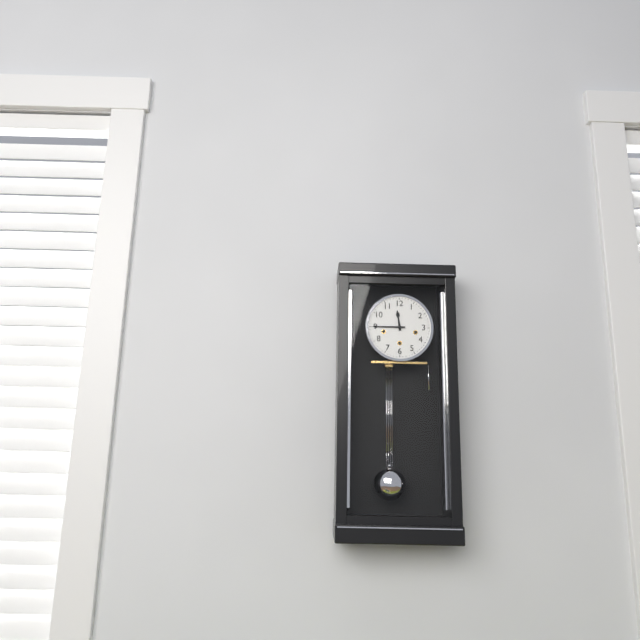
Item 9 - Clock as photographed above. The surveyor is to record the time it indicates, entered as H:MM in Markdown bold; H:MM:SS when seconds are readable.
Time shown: **11:45**
